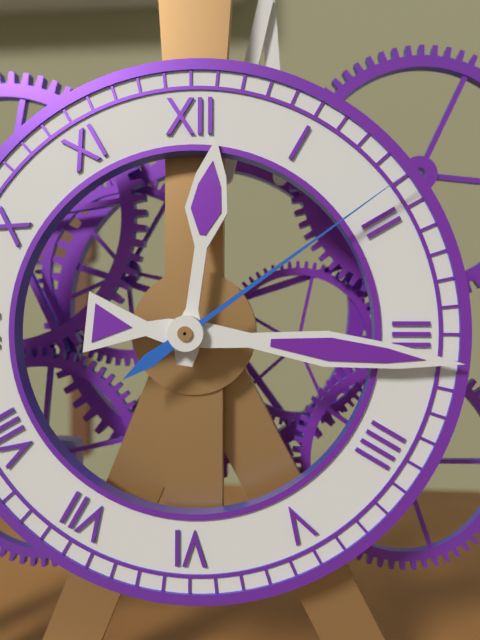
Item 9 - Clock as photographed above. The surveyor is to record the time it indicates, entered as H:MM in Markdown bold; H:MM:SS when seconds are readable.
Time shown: **12:16:09**
